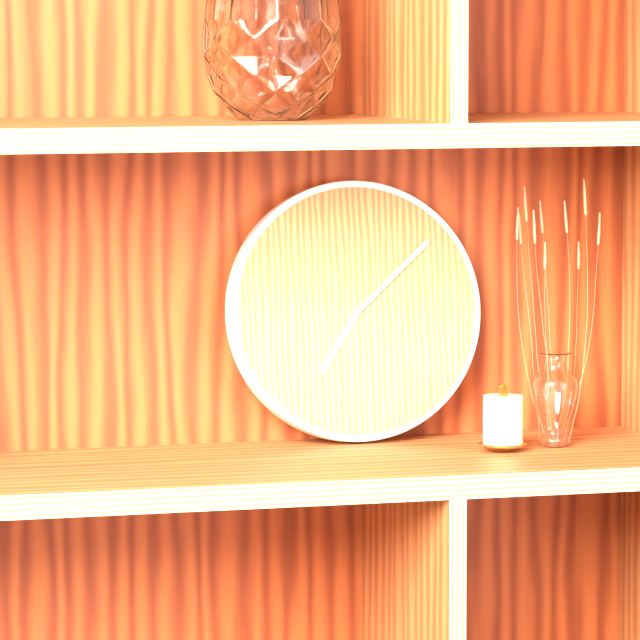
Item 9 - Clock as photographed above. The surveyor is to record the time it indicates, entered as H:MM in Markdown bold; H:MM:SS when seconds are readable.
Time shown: **7:08**
